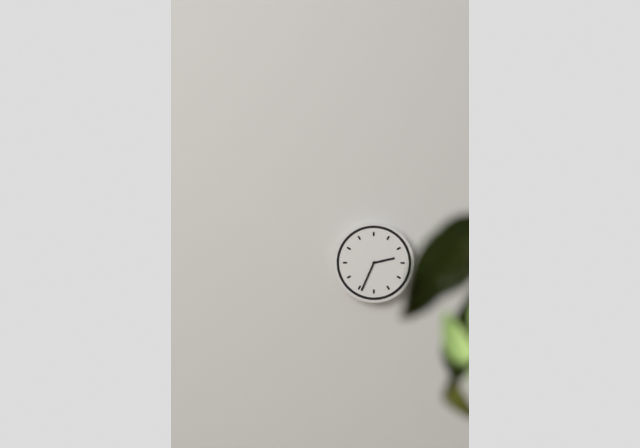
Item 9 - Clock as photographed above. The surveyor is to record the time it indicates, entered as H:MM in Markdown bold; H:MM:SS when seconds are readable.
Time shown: **2:34**
